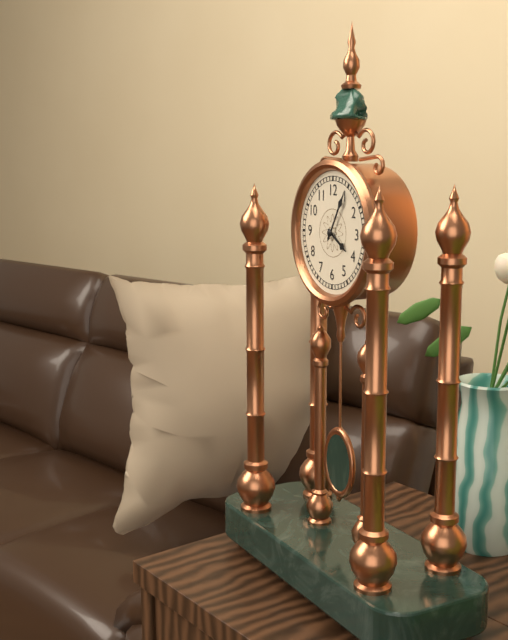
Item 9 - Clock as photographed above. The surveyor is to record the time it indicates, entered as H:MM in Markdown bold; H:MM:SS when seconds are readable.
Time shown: **4:05**
